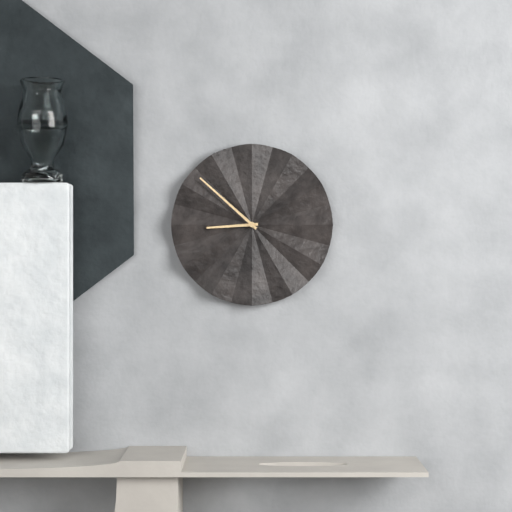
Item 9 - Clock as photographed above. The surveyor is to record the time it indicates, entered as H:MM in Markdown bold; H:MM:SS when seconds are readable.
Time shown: **8:52**
